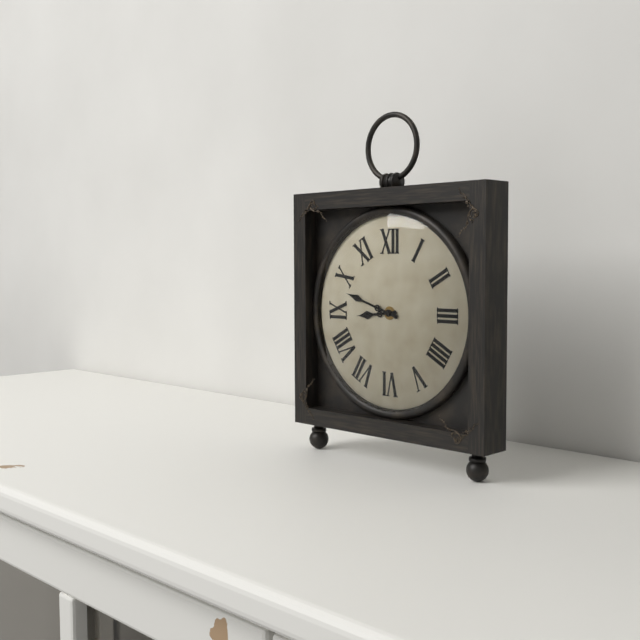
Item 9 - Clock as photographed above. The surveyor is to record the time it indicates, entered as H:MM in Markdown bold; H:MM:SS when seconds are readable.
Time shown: **8:48**
